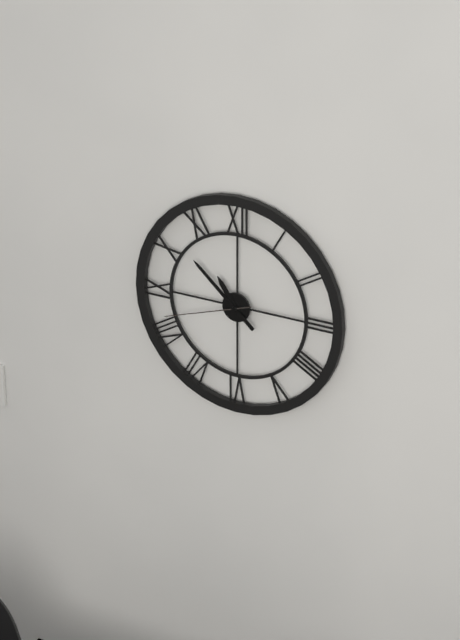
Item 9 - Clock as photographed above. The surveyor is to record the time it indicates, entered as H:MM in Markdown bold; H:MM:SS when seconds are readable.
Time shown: **10:52:42**
